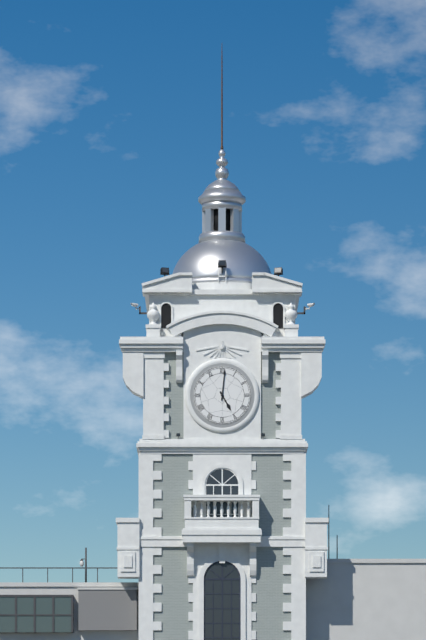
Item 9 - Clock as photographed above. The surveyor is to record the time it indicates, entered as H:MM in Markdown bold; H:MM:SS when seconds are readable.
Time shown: **5:01**
